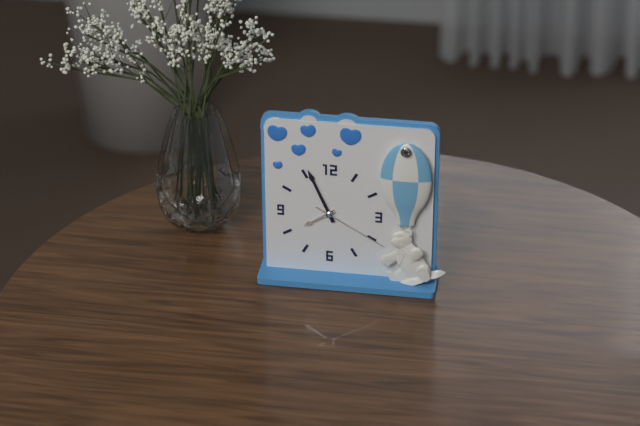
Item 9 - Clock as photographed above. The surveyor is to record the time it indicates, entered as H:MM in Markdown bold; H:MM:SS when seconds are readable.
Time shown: **7:56:20**
